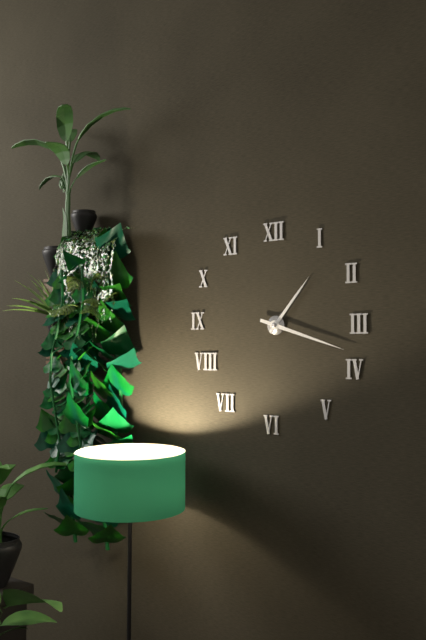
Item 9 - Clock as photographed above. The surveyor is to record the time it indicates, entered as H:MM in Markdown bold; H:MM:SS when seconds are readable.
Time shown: **1:18**
